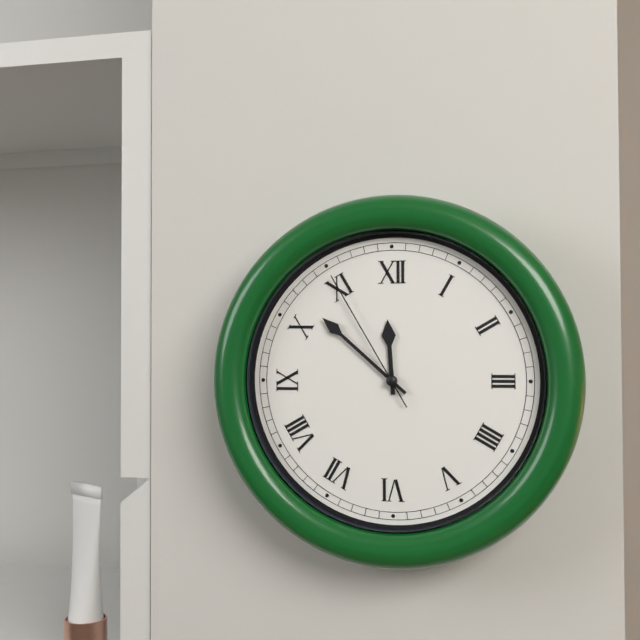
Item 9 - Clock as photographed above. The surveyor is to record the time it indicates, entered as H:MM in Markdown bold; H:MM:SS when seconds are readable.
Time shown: **11:52:55**
